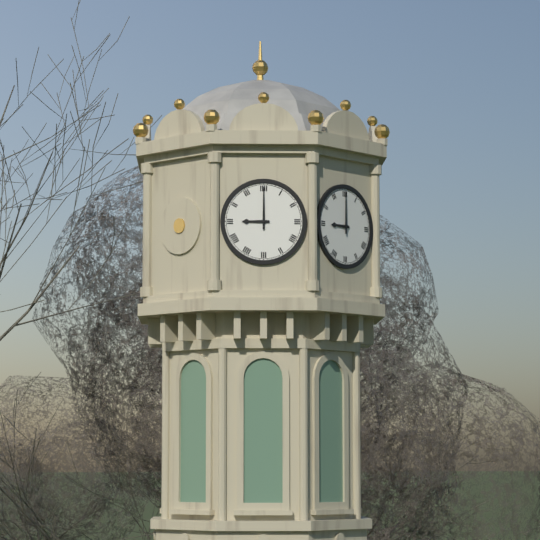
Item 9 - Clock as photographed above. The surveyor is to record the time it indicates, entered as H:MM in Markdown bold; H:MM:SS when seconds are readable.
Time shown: **9:00**
